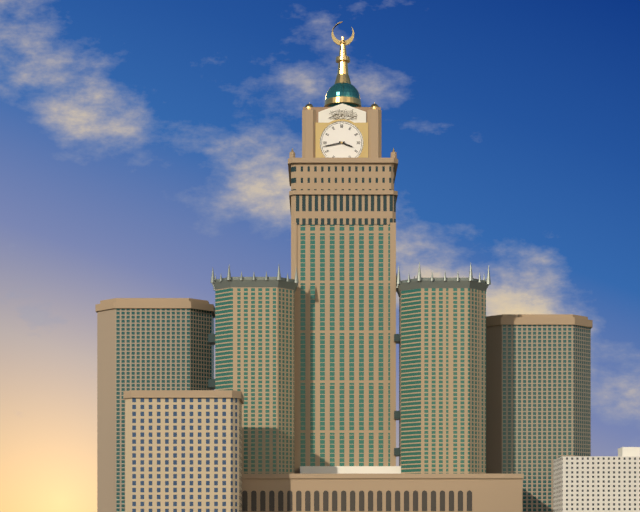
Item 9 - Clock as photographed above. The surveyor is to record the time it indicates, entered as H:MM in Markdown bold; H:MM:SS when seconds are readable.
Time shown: **3:43**
